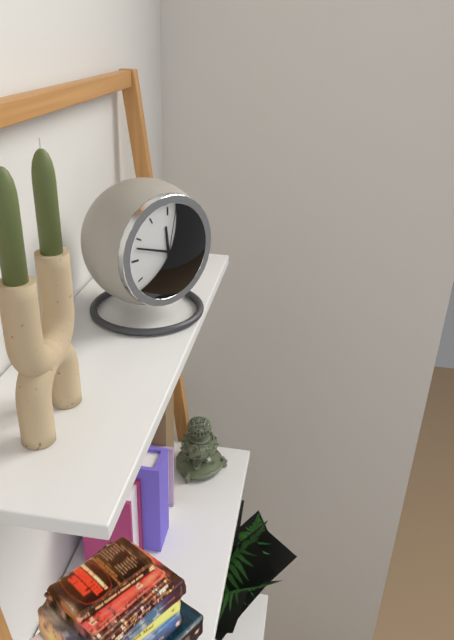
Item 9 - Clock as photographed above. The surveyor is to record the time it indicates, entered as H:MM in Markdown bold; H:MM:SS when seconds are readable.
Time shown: **11:48:02**
